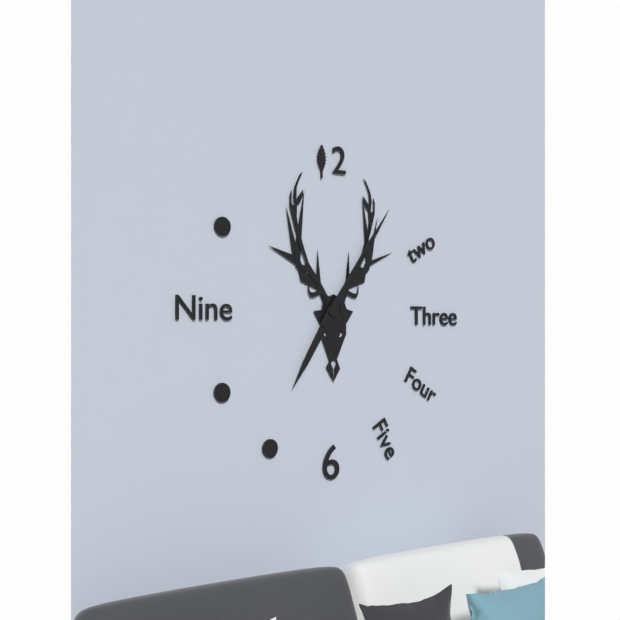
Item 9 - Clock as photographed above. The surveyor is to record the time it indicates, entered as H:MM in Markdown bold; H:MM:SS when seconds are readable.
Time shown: **7:06**
